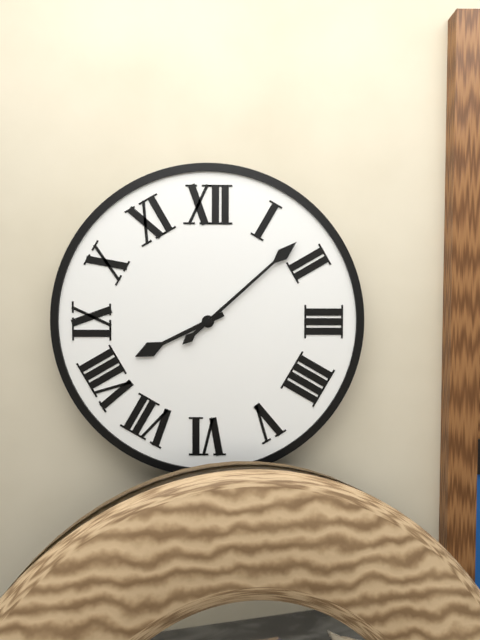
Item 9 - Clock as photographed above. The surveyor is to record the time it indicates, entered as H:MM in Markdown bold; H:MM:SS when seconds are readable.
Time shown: **8:08**
